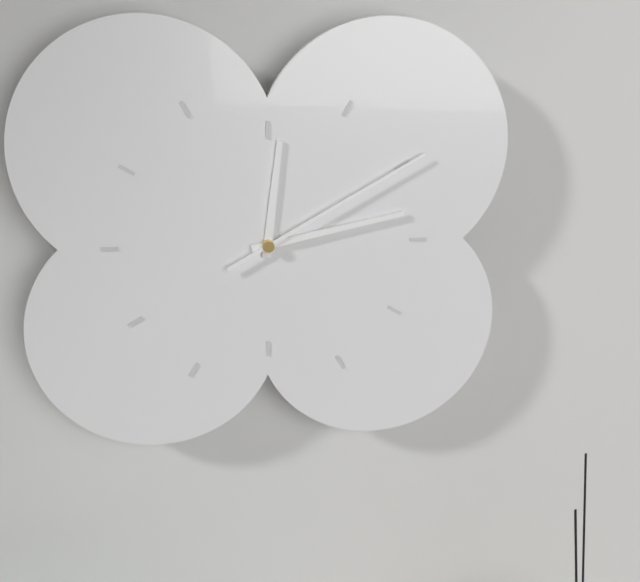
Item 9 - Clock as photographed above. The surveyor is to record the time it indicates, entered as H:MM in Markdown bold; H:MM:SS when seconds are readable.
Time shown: **12:13:10**
